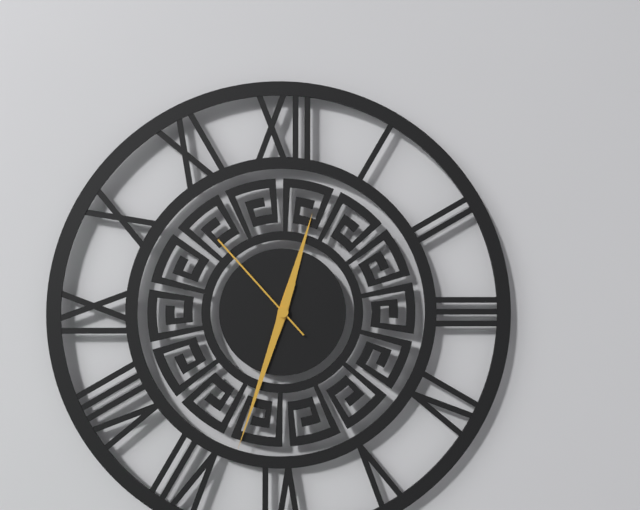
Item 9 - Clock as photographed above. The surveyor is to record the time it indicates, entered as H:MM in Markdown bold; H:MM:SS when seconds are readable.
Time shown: **12:33:53**
